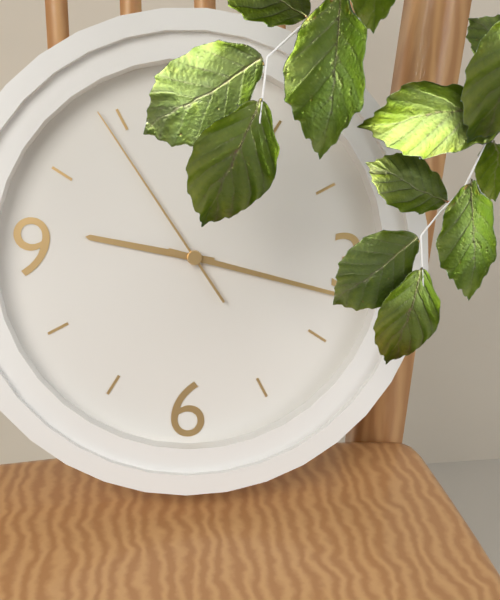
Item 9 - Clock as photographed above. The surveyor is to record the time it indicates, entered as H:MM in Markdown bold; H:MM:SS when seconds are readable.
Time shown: **9:17:54**
